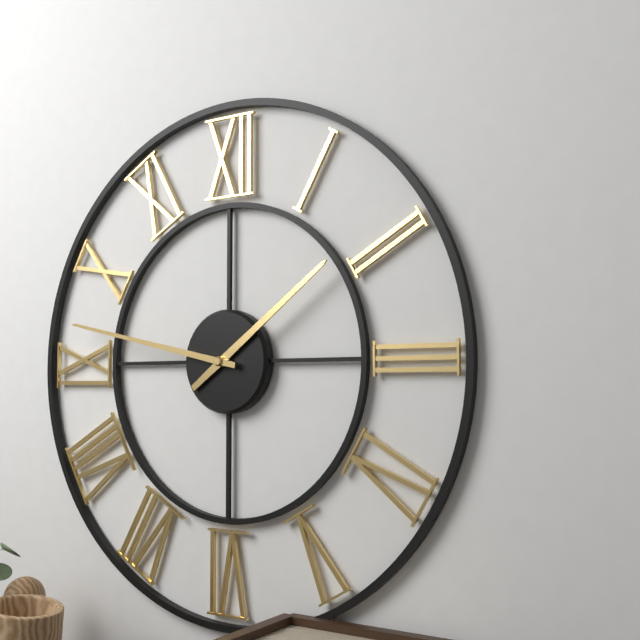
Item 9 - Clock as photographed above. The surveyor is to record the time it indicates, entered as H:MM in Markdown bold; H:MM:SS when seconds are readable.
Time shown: **1:47**
